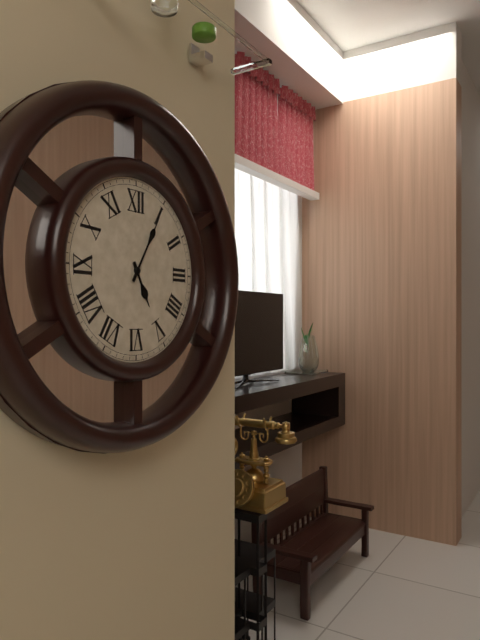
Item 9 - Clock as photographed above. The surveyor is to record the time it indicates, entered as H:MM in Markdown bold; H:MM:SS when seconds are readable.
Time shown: **5:05**
